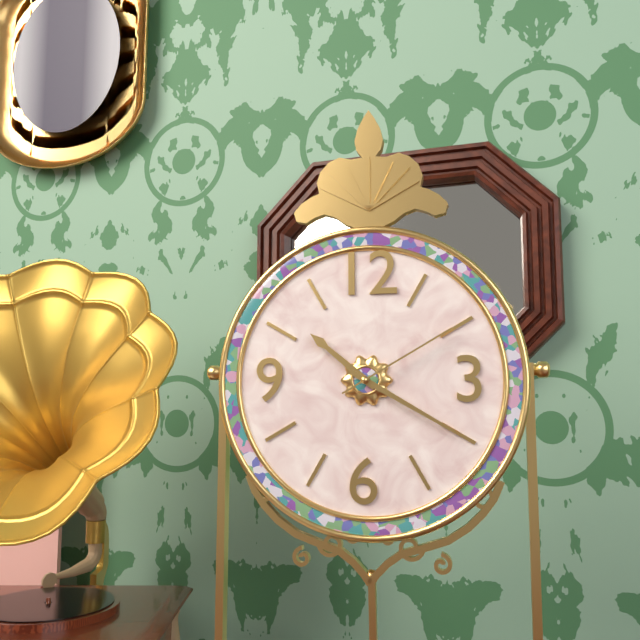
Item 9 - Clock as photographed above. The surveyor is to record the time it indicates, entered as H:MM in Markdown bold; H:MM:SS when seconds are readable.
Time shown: **10:20:10**
